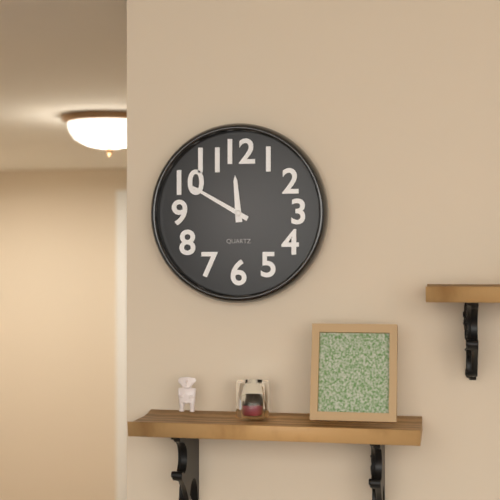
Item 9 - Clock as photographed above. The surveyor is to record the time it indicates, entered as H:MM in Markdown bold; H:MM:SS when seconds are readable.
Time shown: **11:50**
